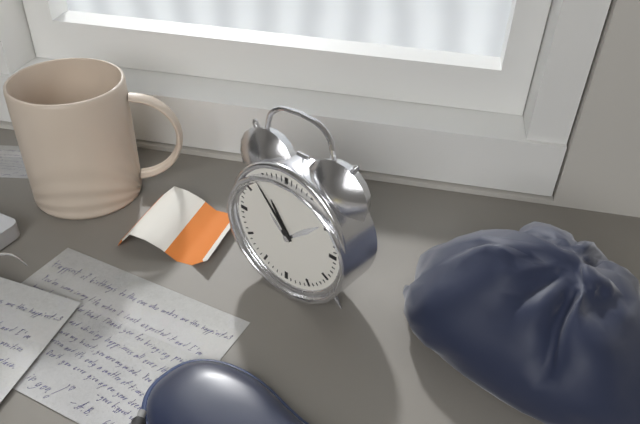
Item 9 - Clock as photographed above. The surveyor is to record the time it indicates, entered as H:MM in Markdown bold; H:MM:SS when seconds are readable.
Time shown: **10:53**
